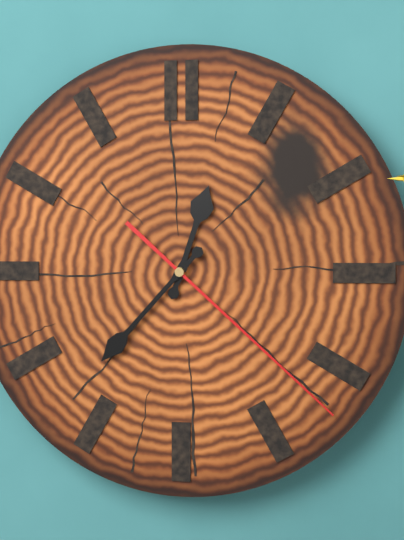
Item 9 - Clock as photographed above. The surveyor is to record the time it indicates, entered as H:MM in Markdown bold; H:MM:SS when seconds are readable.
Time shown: **12:37:22**
